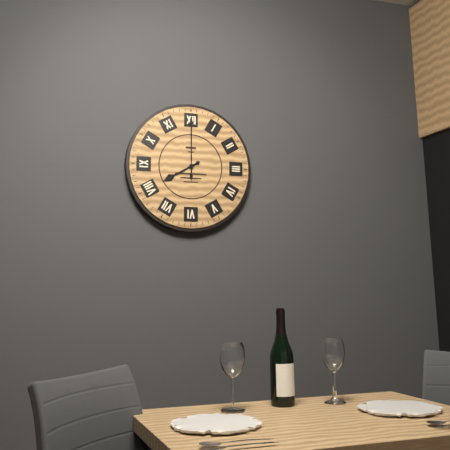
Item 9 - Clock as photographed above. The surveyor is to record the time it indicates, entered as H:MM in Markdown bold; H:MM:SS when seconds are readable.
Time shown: **8:00**
